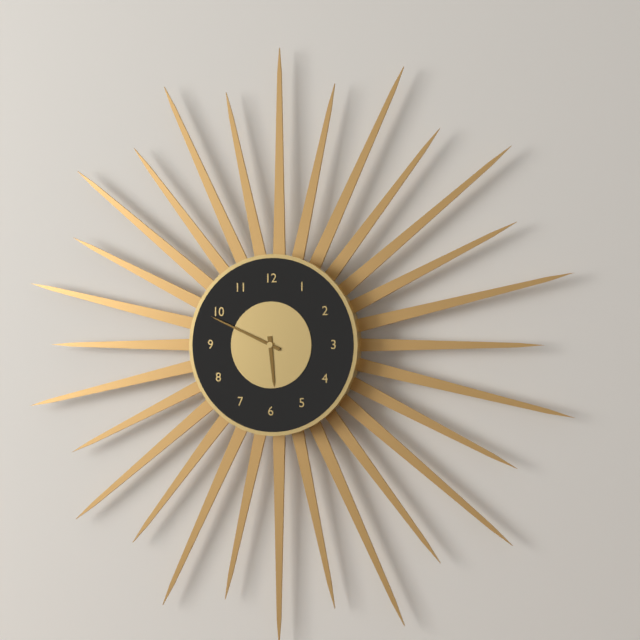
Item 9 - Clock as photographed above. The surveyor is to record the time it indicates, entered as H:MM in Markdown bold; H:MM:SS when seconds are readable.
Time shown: **5:49**
